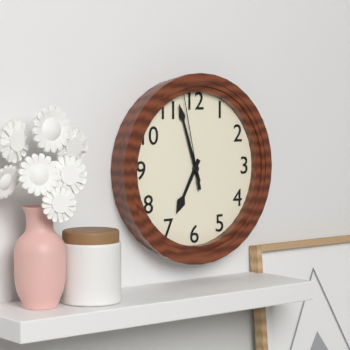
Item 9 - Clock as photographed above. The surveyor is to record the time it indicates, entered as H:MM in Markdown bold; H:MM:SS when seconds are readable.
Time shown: **6:57:58**
